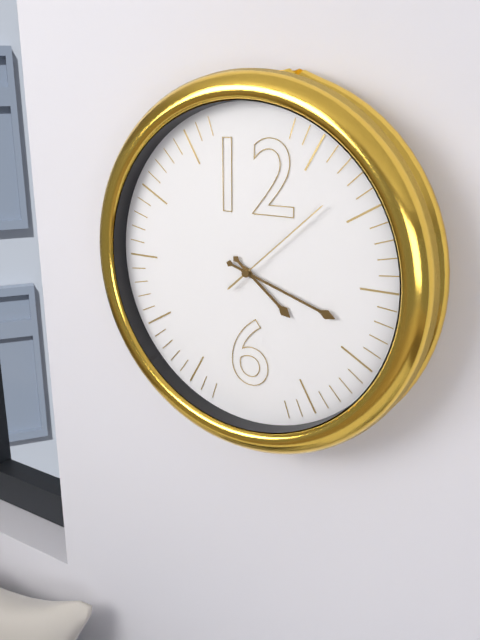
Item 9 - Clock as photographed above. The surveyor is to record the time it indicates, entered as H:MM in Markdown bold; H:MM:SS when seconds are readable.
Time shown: **4:18:08**
